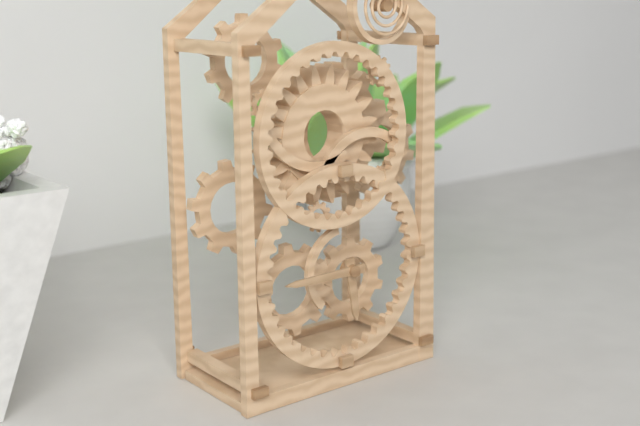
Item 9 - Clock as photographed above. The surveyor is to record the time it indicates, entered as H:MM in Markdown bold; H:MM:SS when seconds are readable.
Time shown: **5:45**
